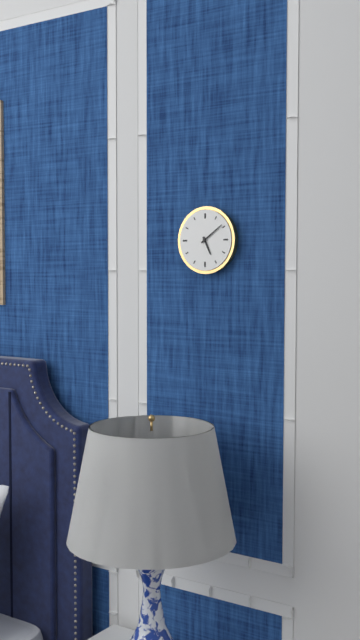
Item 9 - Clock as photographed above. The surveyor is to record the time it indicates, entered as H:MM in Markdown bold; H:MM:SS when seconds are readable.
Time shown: **5:09**
